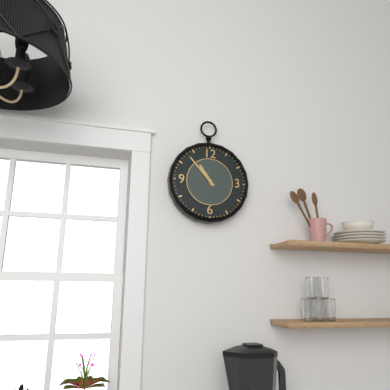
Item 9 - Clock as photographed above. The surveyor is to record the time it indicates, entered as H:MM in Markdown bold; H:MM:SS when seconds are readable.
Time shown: **10:53**
